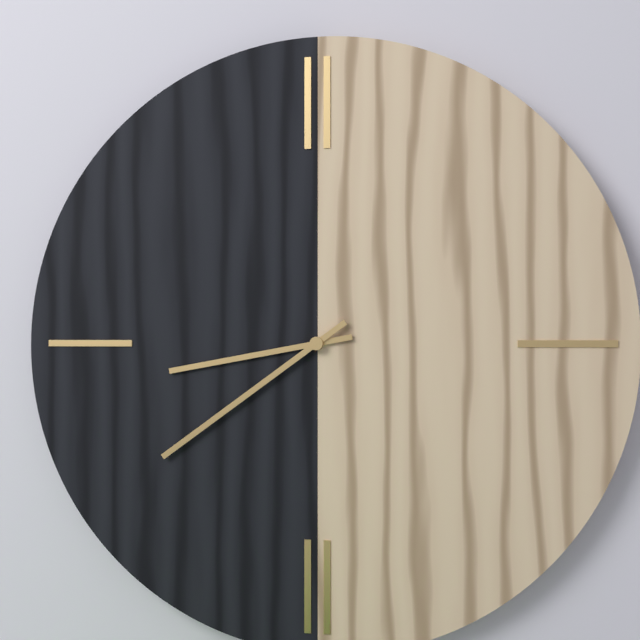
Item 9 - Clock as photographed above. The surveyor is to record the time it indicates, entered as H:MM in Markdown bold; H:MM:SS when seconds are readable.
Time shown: **8:39**
